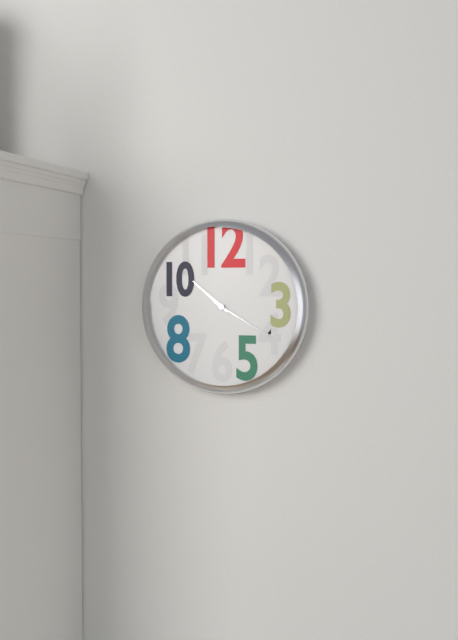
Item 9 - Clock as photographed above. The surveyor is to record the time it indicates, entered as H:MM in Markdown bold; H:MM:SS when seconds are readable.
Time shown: **10:20**
